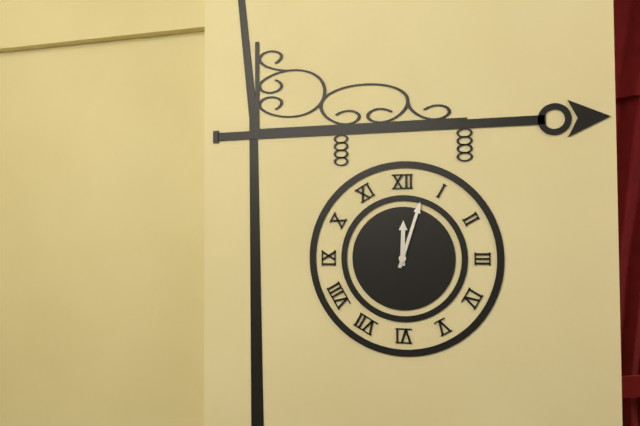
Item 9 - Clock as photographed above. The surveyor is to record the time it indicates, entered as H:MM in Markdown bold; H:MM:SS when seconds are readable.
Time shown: **12:03**
